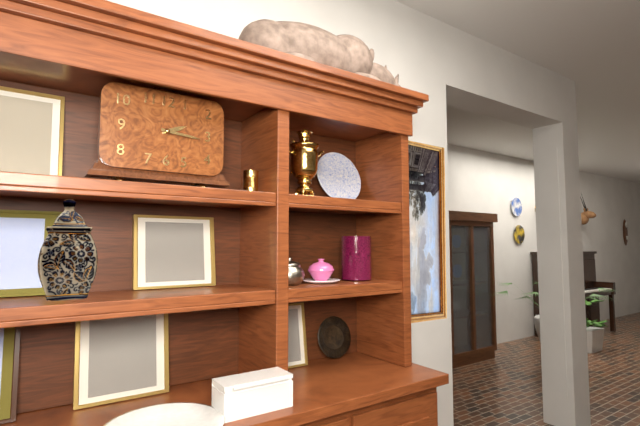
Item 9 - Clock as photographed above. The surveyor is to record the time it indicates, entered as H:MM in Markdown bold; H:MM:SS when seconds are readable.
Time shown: **2:16**
